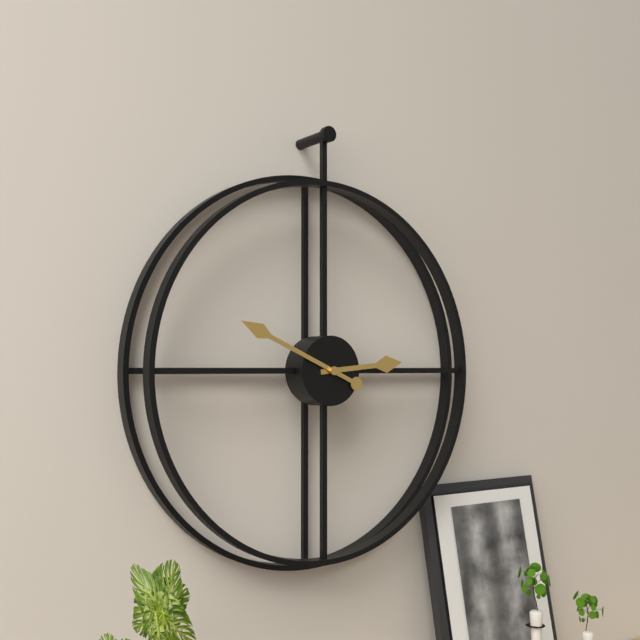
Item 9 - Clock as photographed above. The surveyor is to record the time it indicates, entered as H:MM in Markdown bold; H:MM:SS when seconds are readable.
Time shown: **2:49**
